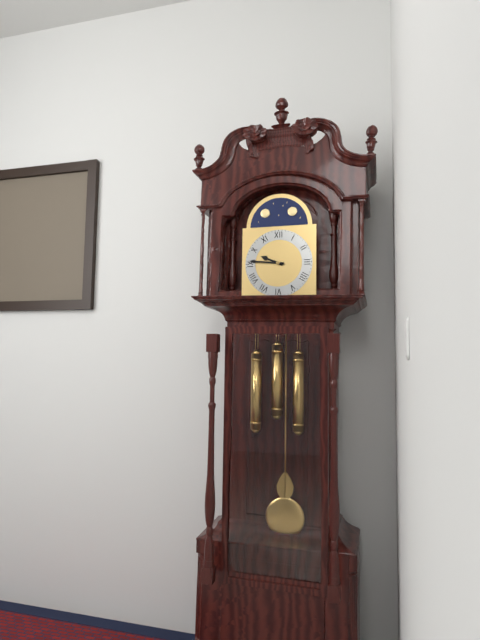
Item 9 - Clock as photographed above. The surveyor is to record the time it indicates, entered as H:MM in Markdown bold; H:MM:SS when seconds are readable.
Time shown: **9:46**
